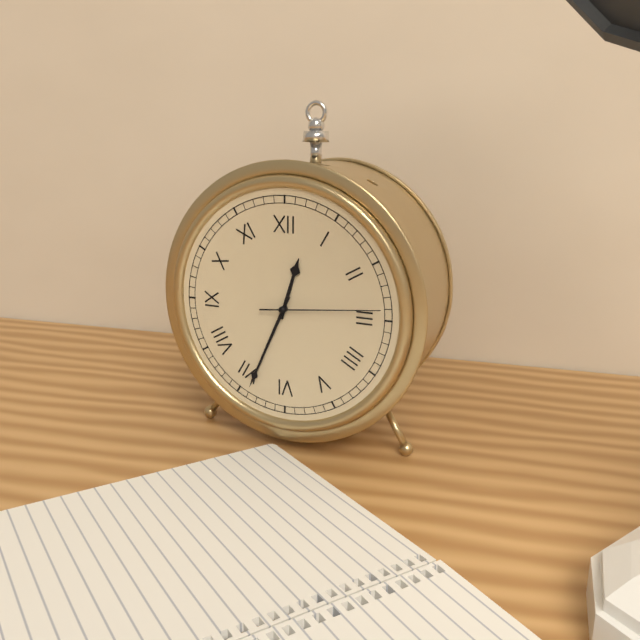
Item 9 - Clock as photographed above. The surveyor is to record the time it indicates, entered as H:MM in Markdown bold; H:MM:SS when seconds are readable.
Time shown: **12:34:14**
